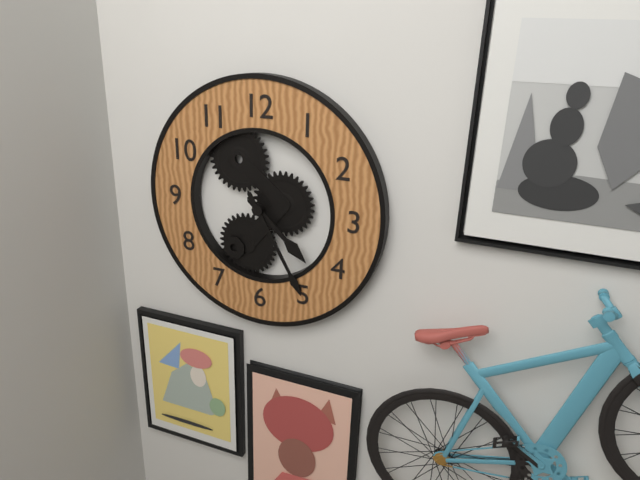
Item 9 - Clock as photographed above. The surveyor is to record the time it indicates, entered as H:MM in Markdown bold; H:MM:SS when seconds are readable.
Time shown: **4:25**
